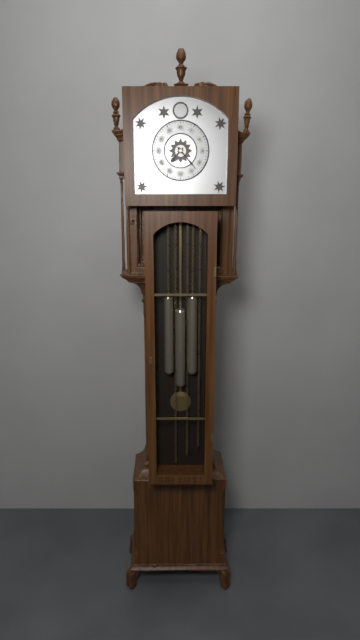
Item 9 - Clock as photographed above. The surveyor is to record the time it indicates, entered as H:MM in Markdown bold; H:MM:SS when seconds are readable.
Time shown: **7:23**
